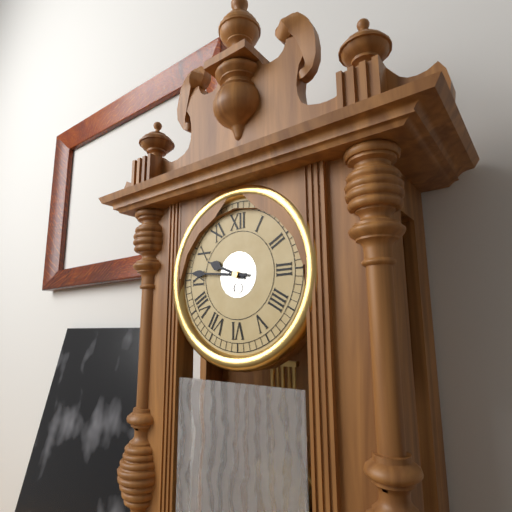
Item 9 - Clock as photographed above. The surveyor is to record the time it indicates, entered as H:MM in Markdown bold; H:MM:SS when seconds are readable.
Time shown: **9:46**
